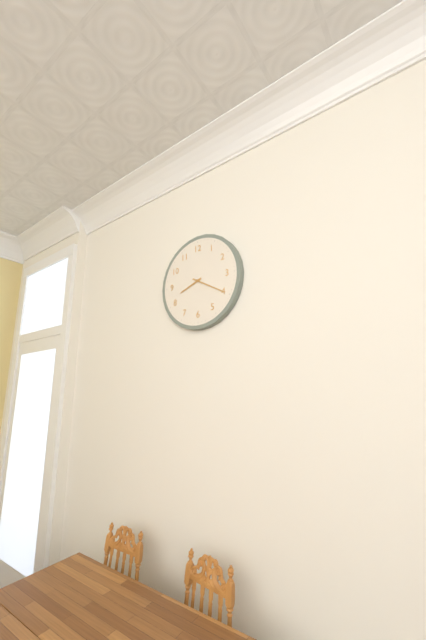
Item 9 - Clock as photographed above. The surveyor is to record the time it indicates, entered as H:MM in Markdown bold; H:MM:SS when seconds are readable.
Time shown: **8:20**
